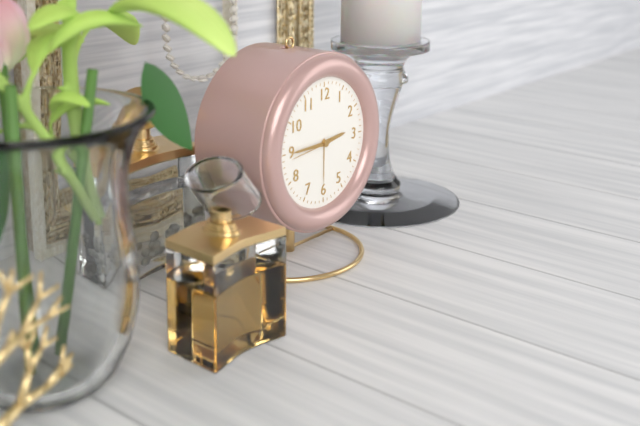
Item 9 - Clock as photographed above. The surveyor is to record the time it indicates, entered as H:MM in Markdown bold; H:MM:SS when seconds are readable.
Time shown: **2:45**
